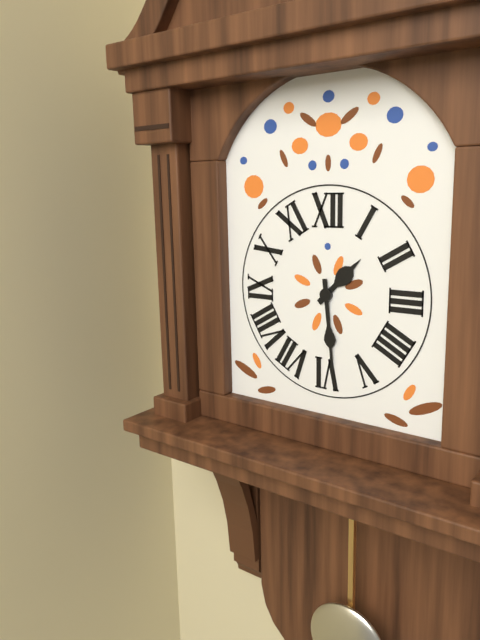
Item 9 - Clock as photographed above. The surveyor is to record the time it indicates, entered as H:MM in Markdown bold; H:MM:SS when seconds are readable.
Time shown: **1:29**
